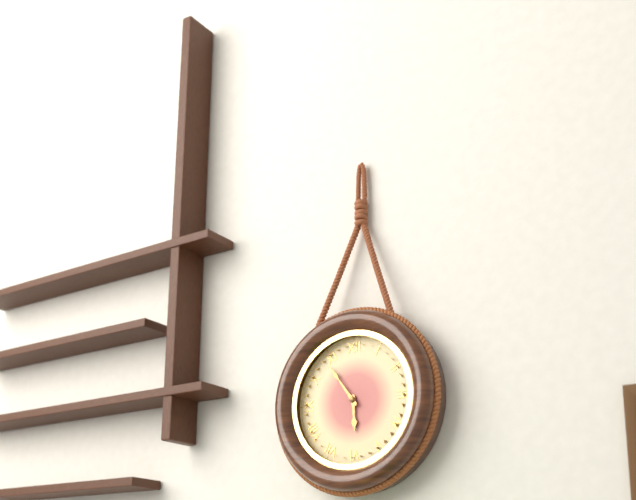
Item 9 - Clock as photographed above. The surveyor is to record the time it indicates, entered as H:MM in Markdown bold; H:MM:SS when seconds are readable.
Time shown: **5:54**
